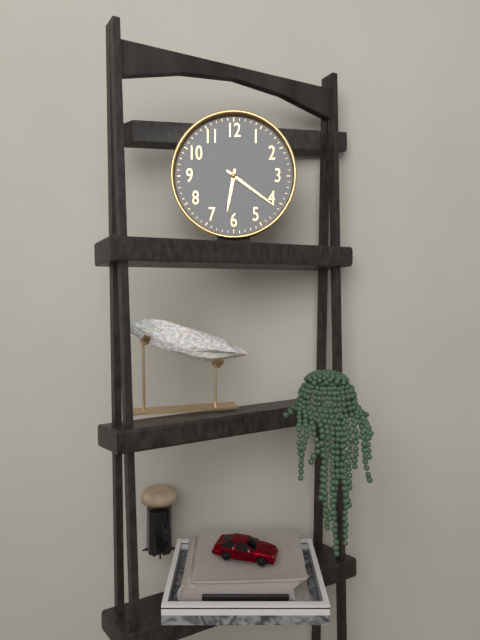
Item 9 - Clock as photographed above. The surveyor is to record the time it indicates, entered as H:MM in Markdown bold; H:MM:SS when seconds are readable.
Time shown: **6:21**
